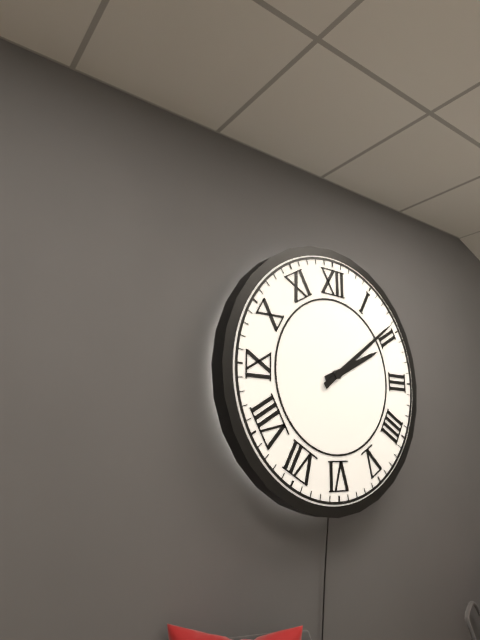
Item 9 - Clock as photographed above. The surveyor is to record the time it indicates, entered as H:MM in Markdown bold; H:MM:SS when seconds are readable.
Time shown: **2:09**
